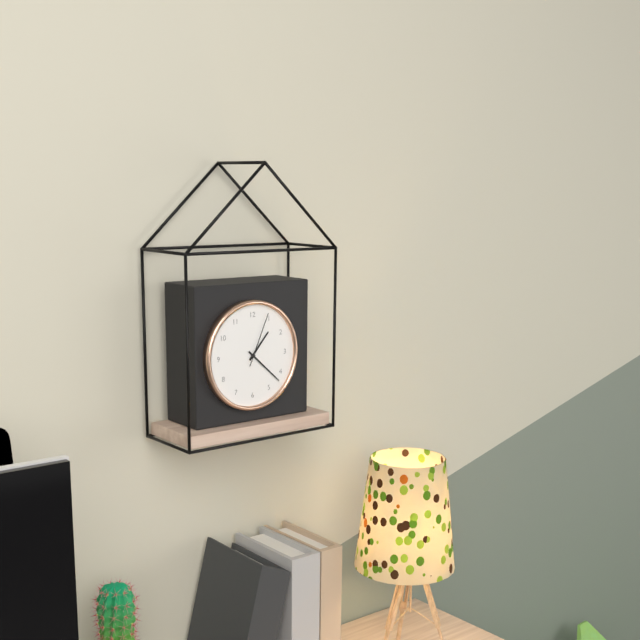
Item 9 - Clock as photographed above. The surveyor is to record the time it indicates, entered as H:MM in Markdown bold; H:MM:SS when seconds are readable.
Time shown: **1:22:04**
